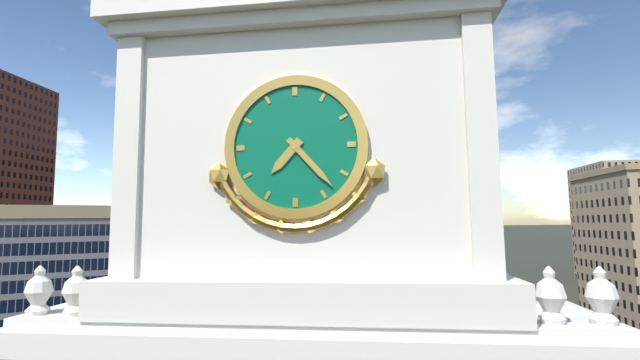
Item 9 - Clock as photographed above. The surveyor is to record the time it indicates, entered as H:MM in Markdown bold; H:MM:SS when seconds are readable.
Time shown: **7:23**
